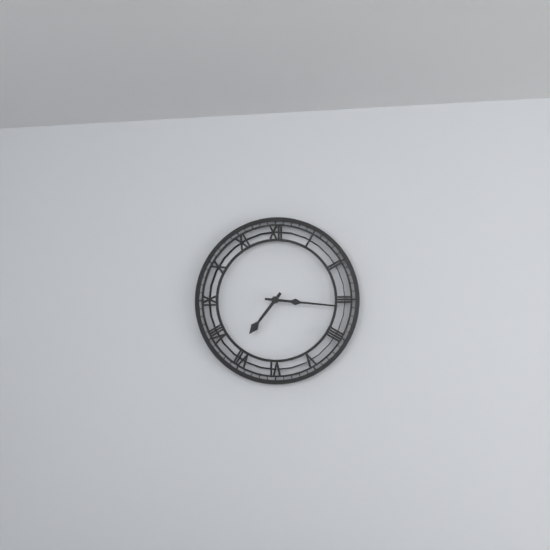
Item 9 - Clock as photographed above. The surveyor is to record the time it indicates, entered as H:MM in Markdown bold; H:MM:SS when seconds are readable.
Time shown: **7:16**
